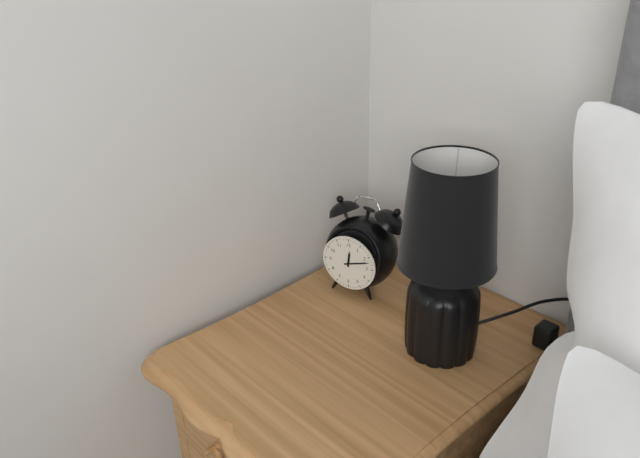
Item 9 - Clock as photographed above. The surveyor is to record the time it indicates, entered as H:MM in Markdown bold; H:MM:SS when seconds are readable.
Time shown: **12:12**
